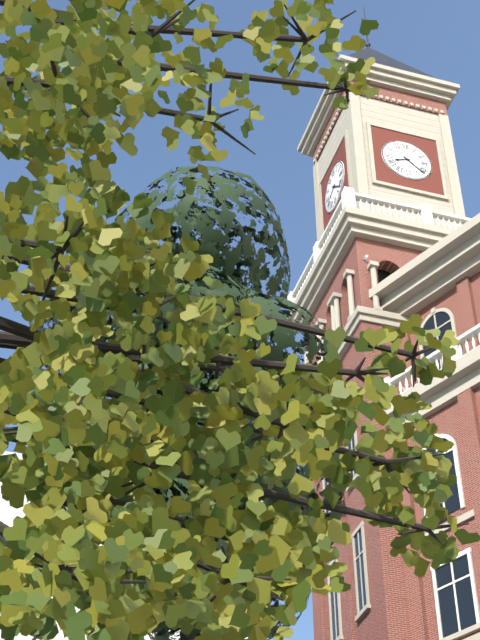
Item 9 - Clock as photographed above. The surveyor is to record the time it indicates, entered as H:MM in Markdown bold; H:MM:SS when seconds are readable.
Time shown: **8:22**
